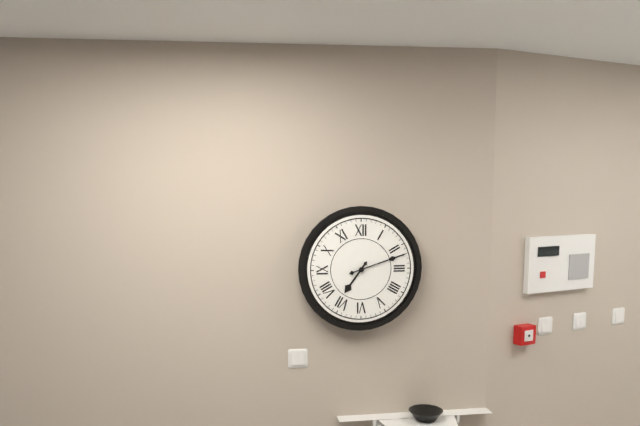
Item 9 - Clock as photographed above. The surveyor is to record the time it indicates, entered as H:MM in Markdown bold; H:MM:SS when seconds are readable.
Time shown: **7:12**
